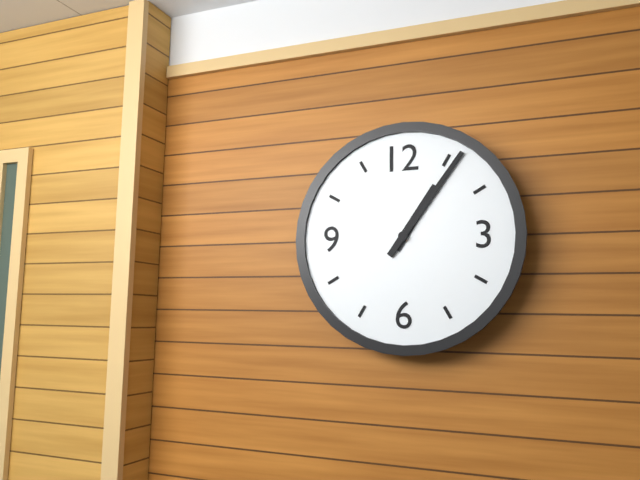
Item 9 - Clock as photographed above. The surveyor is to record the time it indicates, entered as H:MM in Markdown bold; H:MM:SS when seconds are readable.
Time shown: **1:06**
